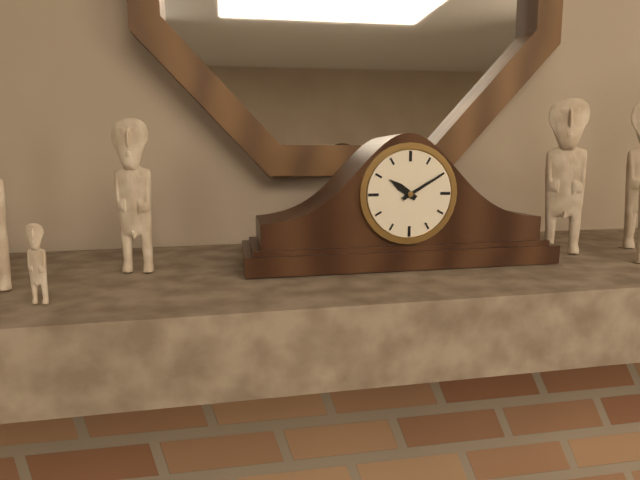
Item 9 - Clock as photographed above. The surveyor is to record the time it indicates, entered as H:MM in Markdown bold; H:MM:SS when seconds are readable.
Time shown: **10:10**
